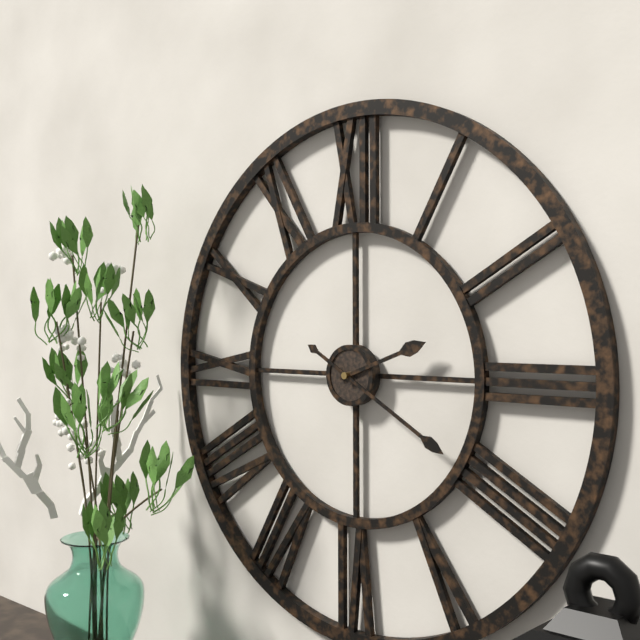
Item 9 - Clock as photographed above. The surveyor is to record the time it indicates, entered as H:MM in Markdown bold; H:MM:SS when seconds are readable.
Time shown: **2:20**
